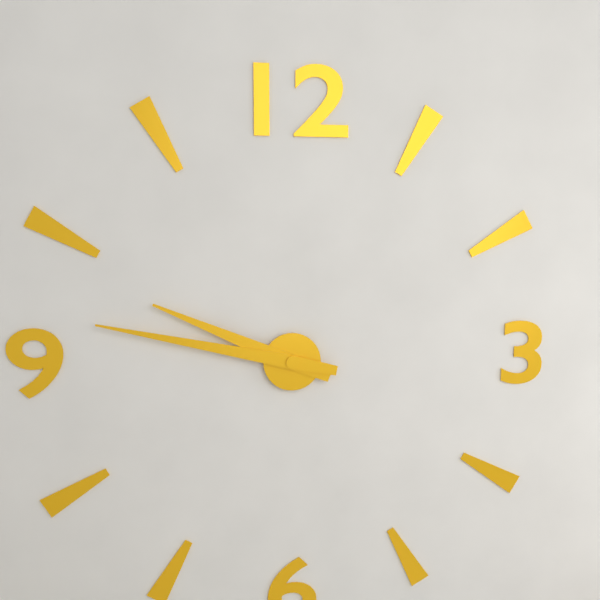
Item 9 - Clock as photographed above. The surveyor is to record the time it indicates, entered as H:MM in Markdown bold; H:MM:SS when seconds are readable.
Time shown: **9:47**
